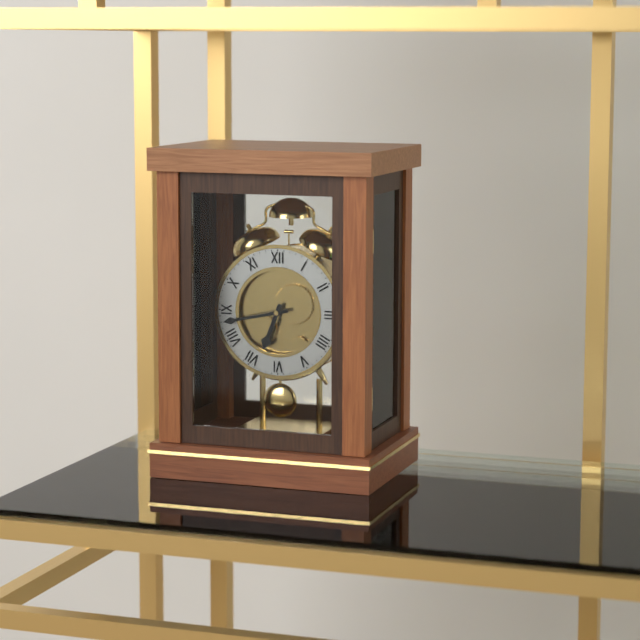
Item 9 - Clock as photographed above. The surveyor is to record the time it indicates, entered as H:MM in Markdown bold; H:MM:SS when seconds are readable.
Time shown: **6:43**
